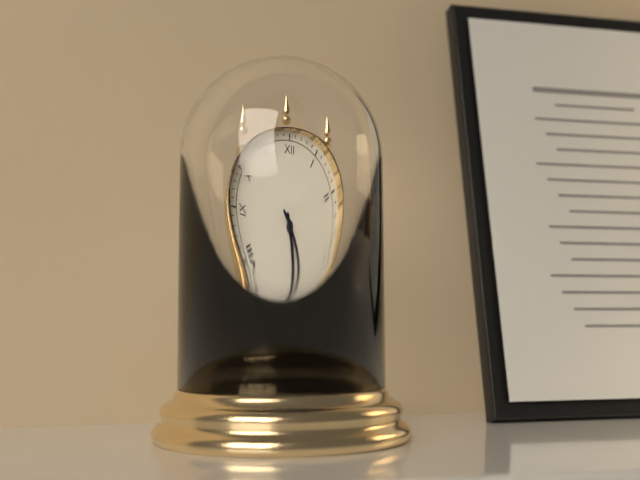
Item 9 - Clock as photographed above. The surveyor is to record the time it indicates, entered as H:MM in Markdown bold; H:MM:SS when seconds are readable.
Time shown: **5:23**
